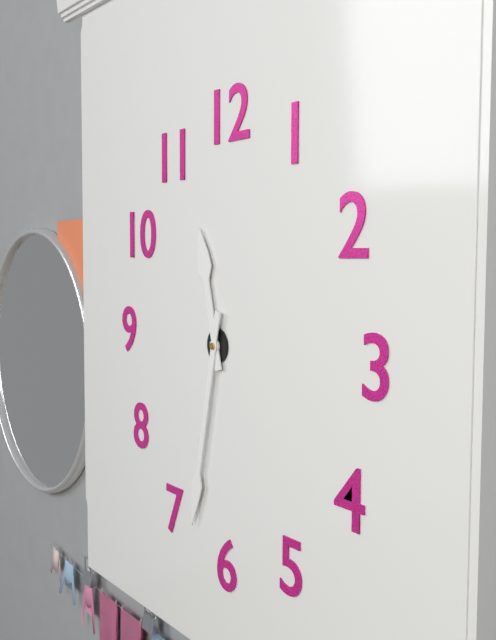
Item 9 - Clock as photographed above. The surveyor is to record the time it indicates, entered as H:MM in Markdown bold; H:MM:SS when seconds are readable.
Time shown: **11:32**
